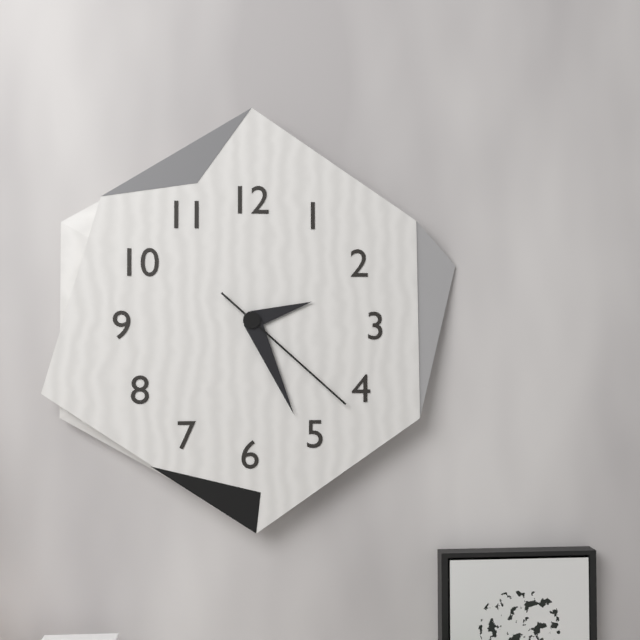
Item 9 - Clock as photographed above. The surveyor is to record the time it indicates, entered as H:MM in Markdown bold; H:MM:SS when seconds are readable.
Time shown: **2:26:22**
